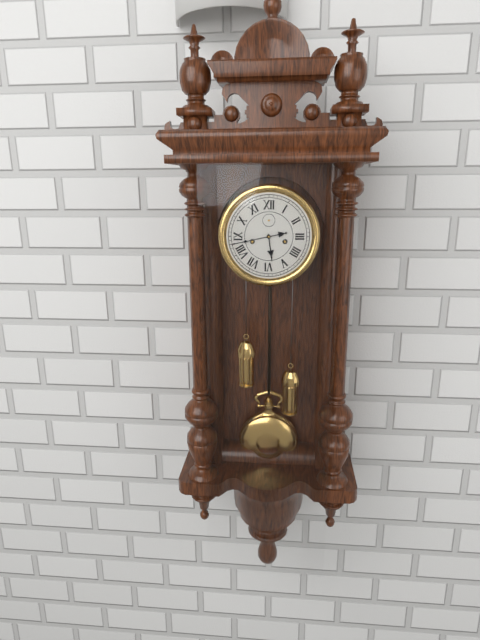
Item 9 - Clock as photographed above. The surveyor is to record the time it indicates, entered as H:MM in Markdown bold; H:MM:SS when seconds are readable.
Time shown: **5:43**
